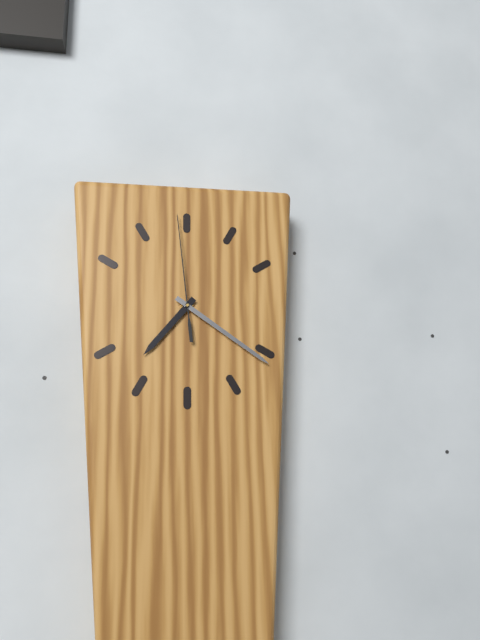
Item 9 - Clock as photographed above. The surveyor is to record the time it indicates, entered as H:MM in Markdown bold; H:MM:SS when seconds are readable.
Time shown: **7:21:59**
